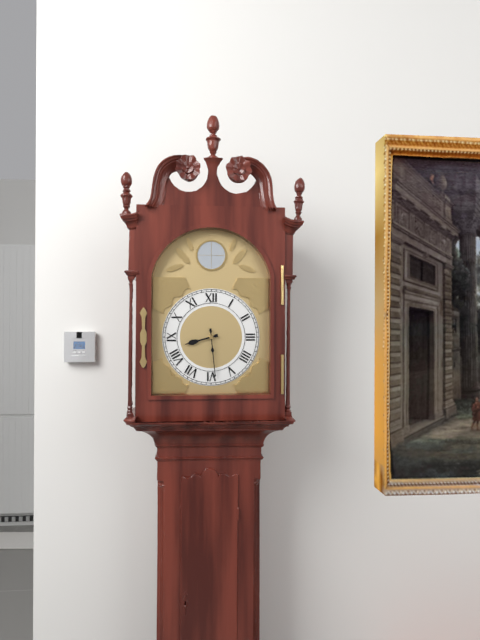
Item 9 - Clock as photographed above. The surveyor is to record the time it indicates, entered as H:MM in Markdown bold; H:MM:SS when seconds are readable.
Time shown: **8:29**
